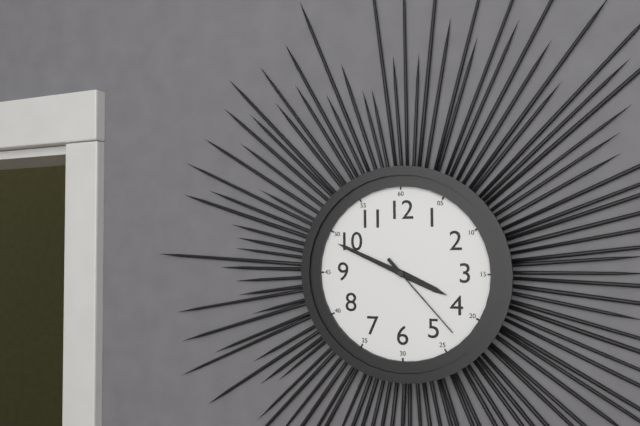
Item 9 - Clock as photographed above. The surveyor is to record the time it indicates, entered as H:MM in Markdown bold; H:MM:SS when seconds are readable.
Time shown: **3:49:23**
